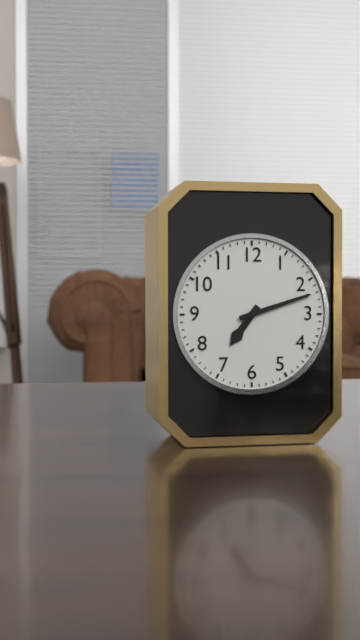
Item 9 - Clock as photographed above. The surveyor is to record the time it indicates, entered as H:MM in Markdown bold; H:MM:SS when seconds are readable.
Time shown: **7:12**
